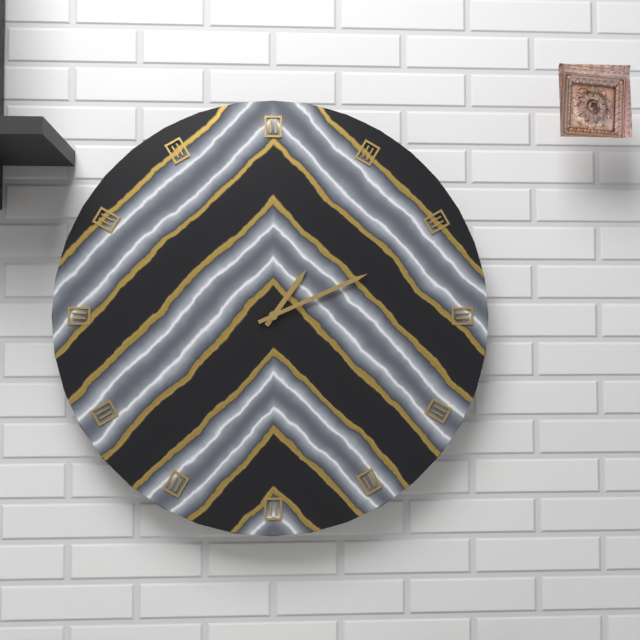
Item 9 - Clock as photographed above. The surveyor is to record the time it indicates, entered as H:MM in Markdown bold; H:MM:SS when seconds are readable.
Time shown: **1:11**
